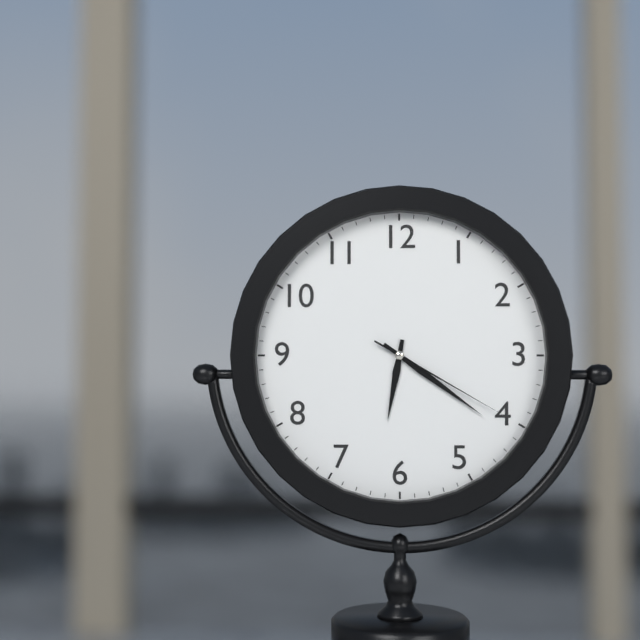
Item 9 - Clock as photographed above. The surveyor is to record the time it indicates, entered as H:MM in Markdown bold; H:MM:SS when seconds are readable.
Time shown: **6:21:20**
